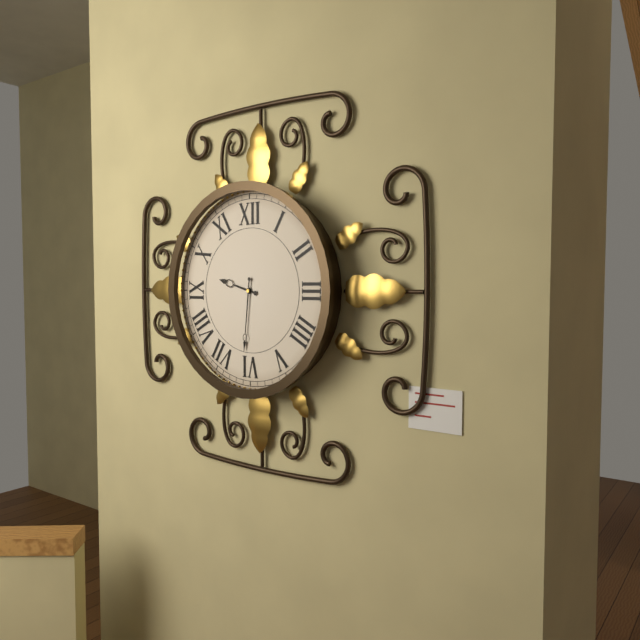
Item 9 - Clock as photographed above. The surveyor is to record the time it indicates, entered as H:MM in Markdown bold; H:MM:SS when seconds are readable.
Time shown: **9:31**
